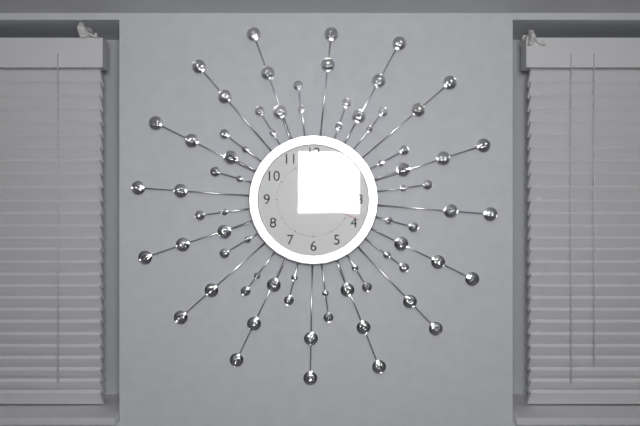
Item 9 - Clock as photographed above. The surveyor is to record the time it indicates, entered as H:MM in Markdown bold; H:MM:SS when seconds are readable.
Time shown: **1:17:19**
